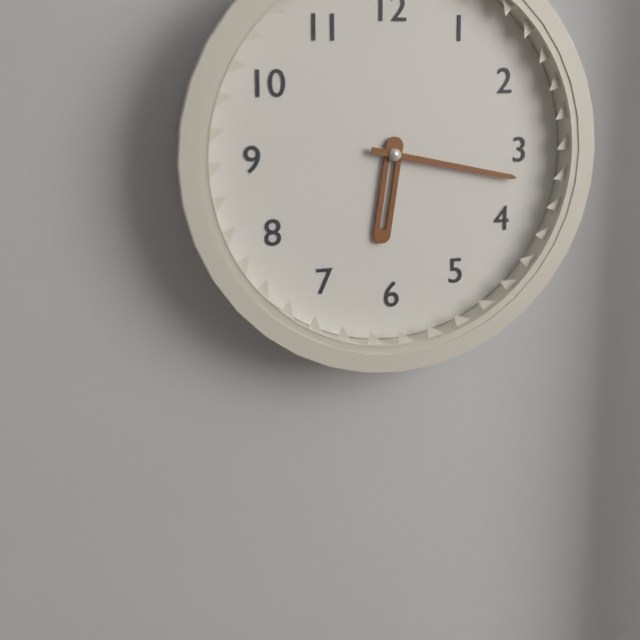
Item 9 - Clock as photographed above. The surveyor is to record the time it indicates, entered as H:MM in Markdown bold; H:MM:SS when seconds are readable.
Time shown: **6:17**
